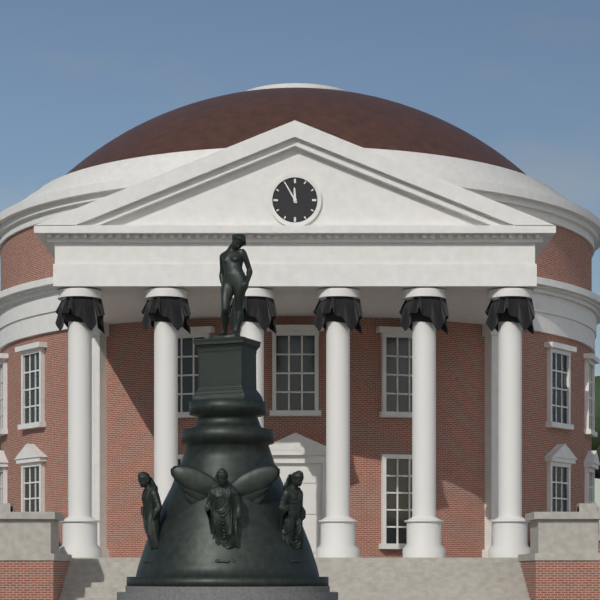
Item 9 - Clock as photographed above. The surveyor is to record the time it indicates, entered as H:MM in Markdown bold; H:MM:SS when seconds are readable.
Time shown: **11:55**
